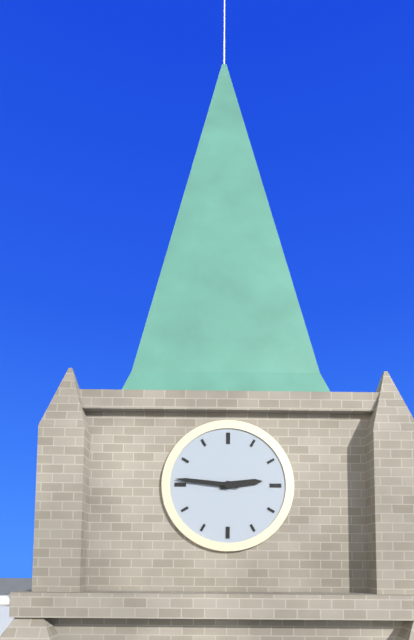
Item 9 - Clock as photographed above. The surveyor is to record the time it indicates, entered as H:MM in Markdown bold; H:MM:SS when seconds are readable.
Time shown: **2:46**
